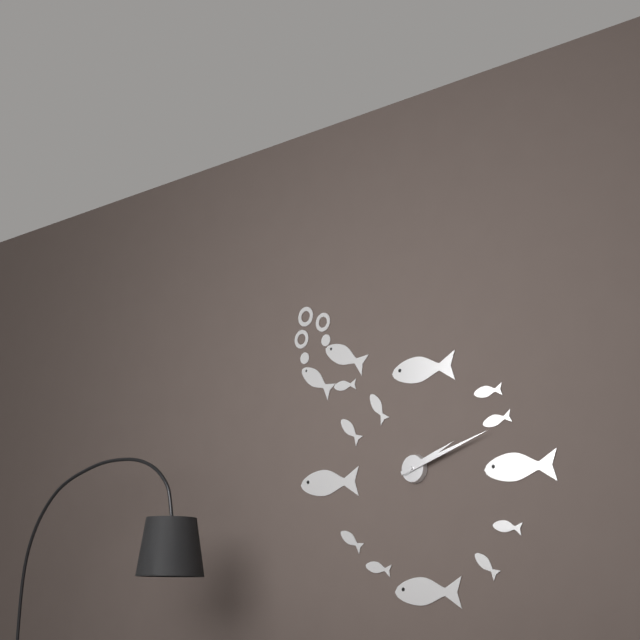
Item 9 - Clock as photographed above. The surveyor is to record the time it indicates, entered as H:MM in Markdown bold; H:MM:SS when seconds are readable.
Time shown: **2:12**
